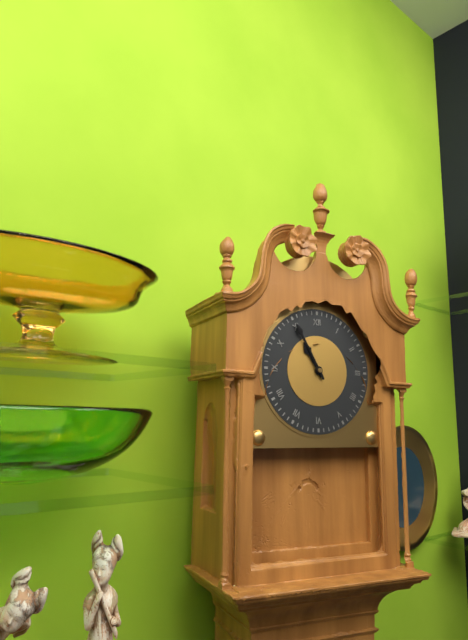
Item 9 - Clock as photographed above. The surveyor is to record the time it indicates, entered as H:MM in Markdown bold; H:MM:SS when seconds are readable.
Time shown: **10:55**
